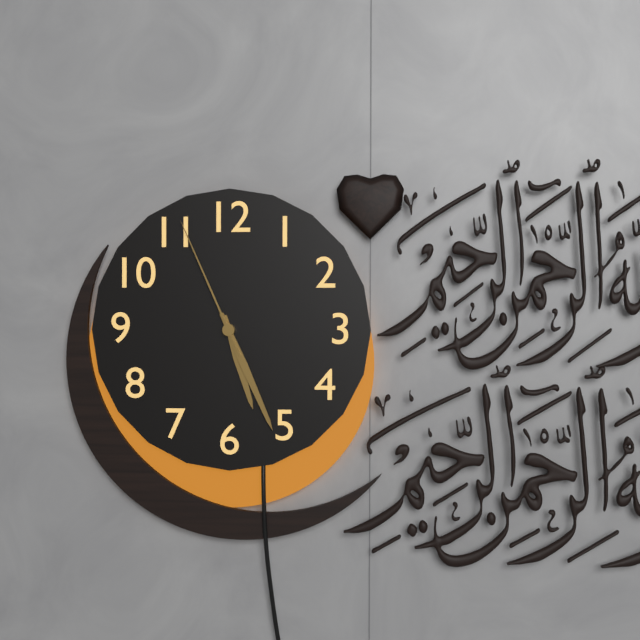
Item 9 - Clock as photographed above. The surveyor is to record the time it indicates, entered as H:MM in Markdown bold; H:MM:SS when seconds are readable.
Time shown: **5:26:56**
